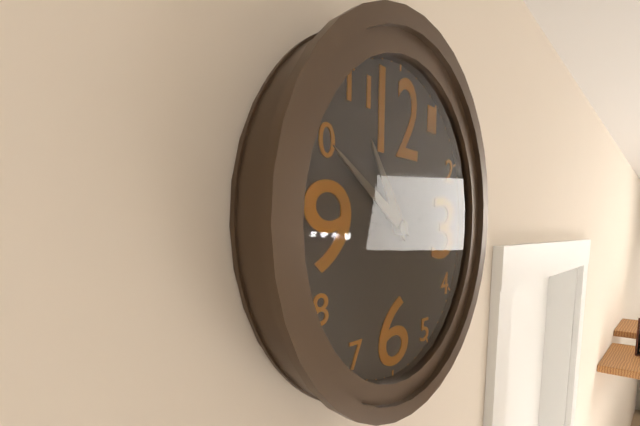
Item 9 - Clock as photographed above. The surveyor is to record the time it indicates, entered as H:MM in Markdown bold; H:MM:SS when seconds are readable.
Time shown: **10:50**
